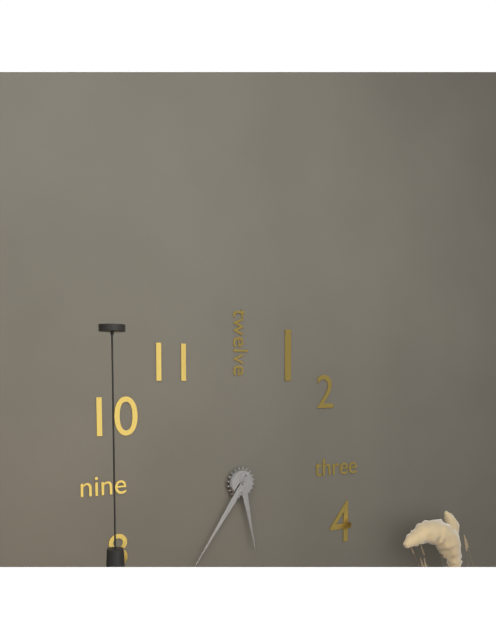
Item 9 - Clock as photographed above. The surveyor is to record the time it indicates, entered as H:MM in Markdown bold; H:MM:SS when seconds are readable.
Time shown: **5:36**
